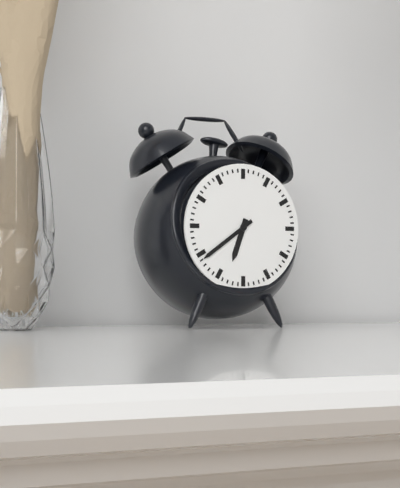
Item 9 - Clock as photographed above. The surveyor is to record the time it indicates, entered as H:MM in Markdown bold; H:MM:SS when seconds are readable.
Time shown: **6:39**
